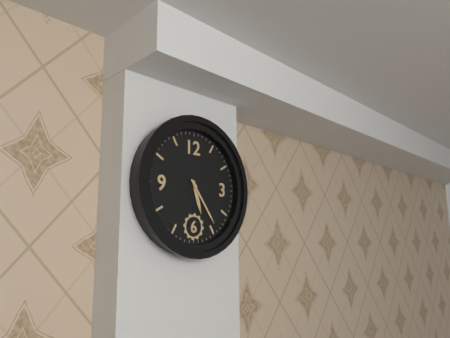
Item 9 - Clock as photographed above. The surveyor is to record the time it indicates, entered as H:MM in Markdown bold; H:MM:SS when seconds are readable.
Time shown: **5:24**
